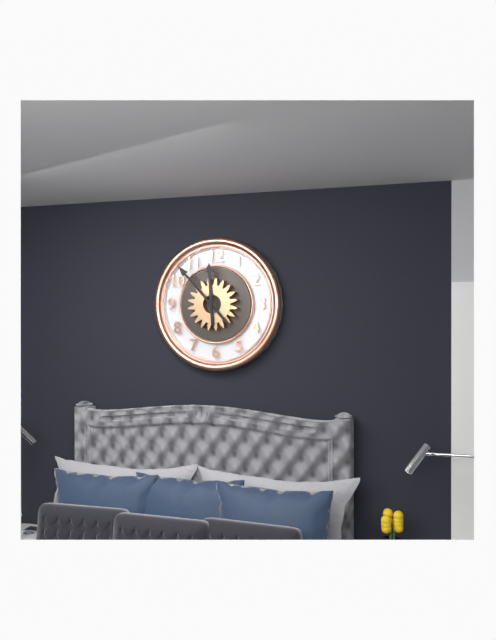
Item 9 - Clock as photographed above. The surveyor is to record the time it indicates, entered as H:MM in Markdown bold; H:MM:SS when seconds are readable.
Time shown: **11:53**
